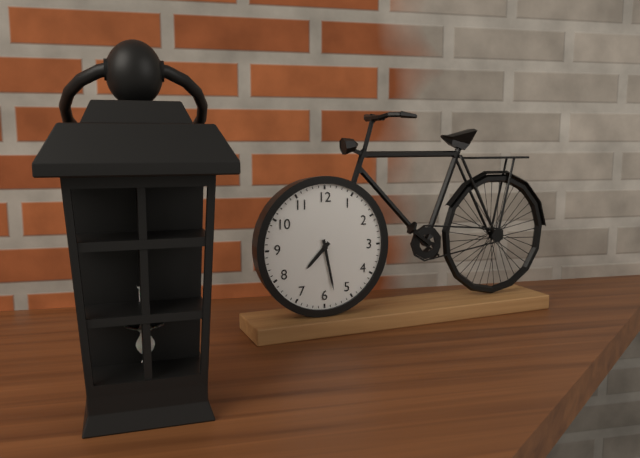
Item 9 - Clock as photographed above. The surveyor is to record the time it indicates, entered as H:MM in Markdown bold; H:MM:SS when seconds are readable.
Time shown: **7:28**
